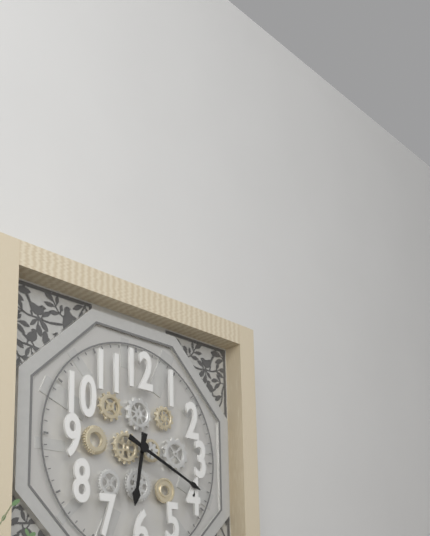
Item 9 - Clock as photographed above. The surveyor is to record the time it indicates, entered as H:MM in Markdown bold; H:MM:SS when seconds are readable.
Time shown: **6:19**
